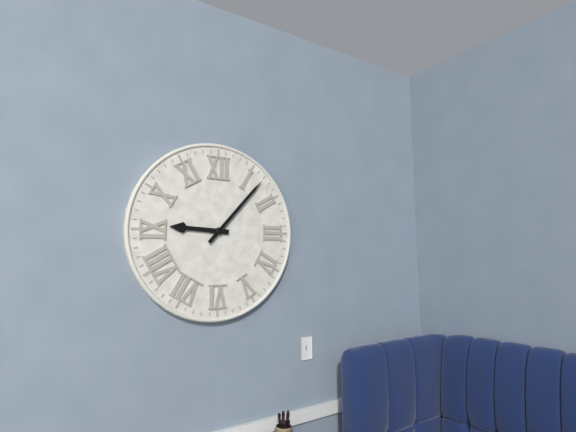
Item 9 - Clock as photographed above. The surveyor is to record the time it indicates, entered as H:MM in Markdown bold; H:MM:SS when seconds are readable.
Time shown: **9:07**
